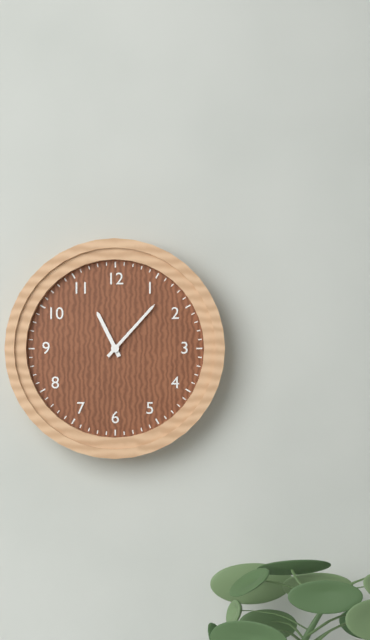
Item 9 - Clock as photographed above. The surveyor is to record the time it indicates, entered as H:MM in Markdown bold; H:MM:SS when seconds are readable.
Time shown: **11:07**
